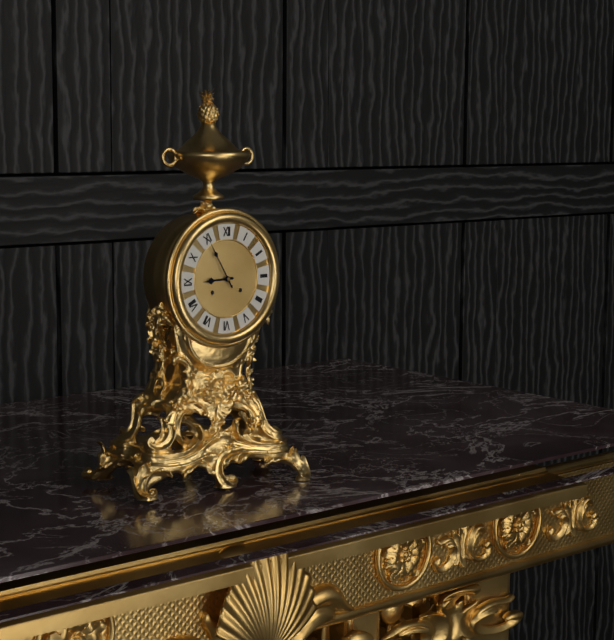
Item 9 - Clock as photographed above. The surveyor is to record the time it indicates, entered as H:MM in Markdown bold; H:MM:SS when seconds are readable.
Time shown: **8:55**
